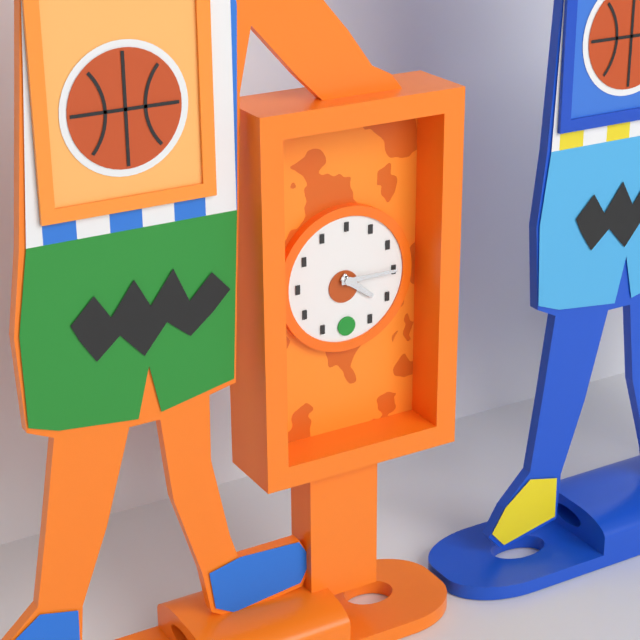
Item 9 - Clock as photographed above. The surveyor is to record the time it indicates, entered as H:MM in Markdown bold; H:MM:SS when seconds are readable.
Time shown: **4:15**
